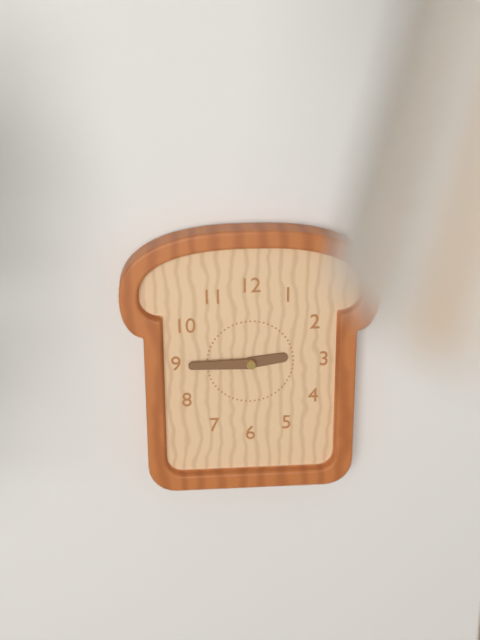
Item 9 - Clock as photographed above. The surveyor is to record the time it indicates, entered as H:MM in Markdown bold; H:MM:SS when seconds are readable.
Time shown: **2:45**
